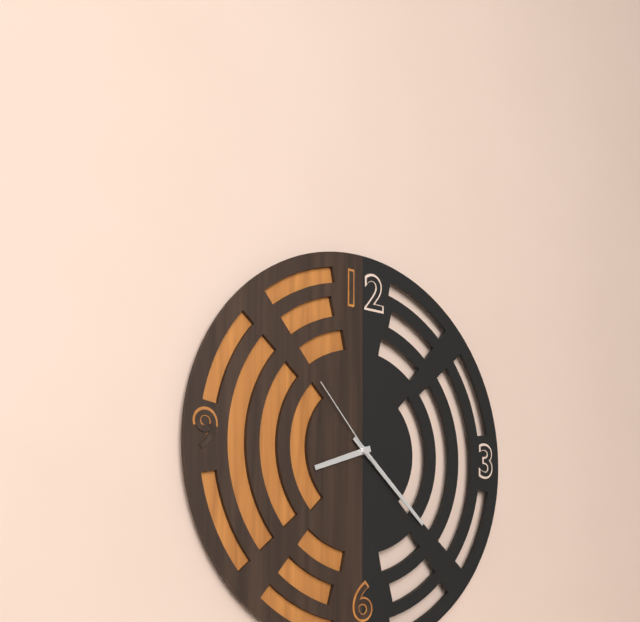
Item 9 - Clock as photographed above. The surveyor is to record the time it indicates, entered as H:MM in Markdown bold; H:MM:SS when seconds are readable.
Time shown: **8:22:53**
